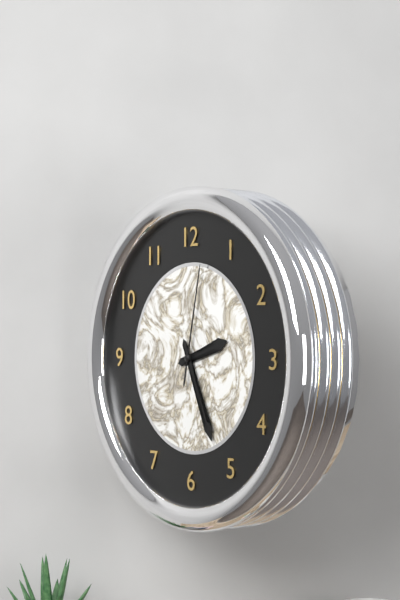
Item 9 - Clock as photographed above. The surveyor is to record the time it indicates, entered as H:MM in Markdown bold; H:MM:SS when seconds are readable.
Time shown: **2:26:02**
